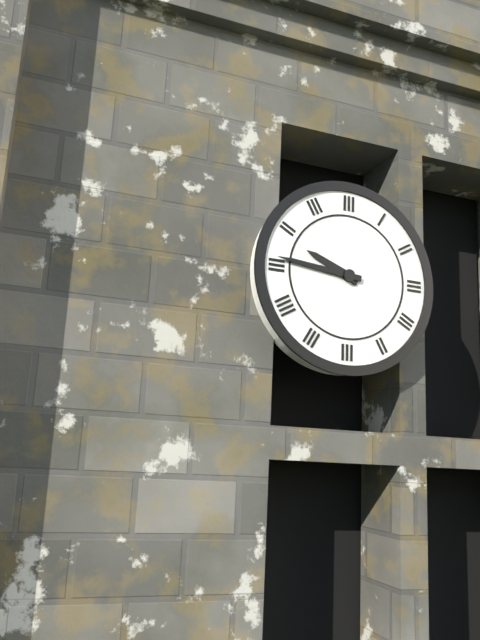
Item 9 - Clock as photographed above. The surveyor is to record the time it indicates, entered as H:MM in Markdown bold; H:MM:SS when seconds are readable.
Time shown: **9:46**
